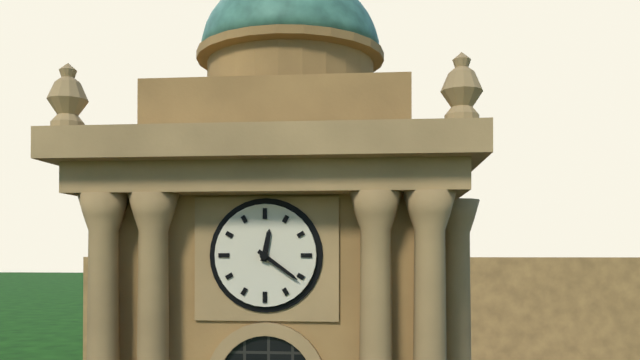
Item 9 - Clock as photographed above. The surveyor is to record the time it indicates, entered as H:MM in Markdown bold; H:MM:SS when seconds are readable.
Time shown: **12:21**
